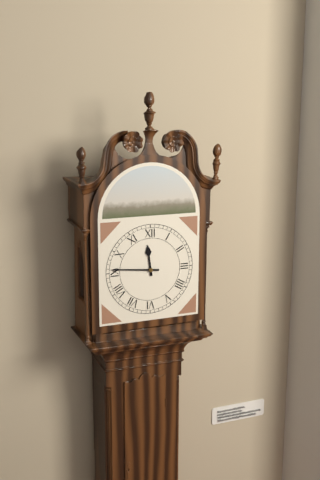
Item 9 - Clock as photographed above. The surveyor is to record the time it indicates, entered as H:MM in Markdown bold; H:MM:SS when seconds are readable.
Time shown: **11:46**
